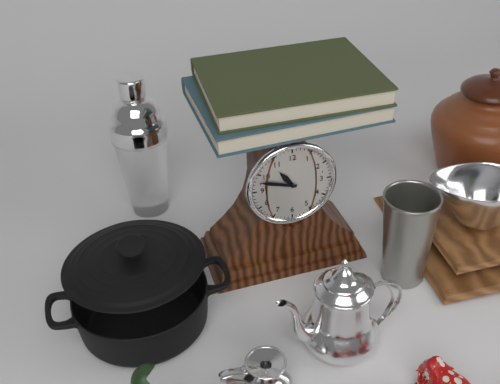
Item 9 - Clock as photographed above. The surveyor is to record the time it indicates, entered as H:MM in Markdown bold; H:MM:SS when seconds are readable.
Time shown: **10:48**
